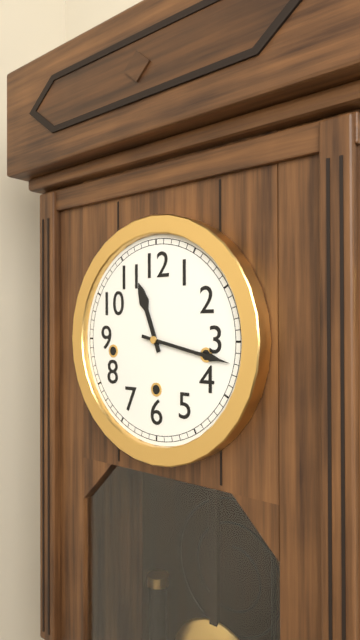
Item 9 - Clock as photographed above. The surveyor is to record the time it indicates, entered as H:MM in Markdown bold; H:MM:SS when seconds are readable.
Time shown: **11:17**
